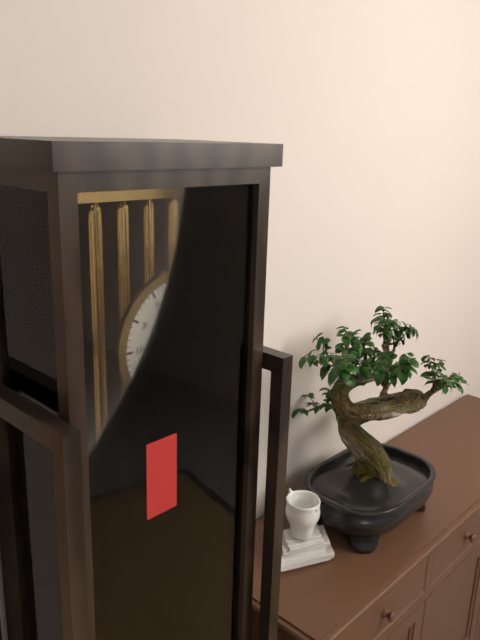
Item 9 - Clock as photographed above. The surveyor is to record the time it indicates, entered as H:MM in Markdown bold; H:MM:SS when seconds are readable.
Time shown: **3:33**
